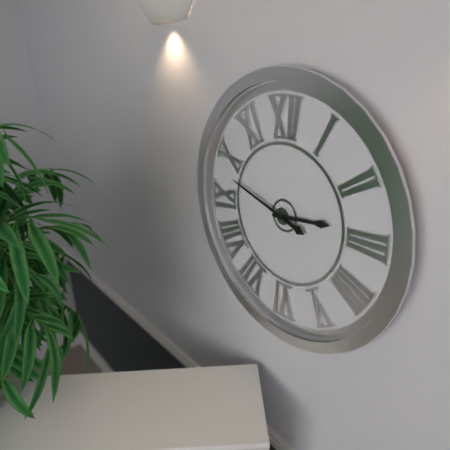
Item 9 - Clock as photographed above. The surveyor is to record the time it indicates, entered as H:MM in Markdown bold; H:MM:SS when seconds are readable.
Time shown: **2:48**
